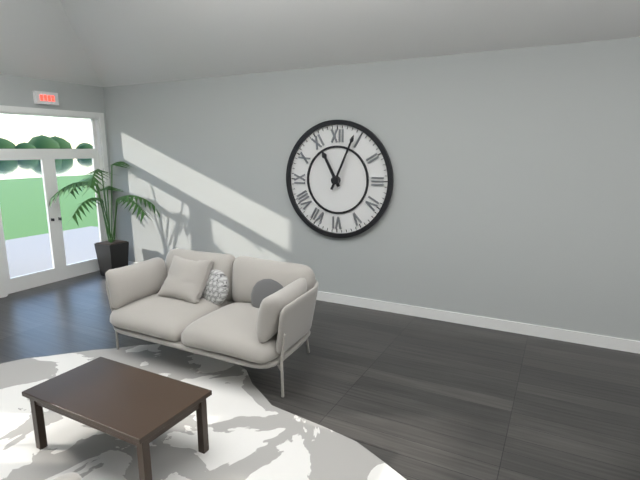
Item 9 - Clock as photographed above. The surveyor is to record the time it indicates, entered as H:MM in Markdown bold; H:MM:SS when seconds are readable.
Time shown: **11:04**
